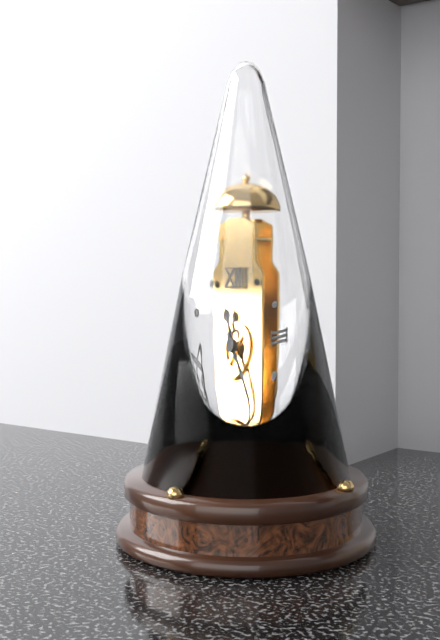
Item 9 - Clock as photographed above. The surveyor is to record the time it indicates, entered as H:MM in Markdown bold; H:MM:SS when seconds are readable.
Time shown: **11:25**
